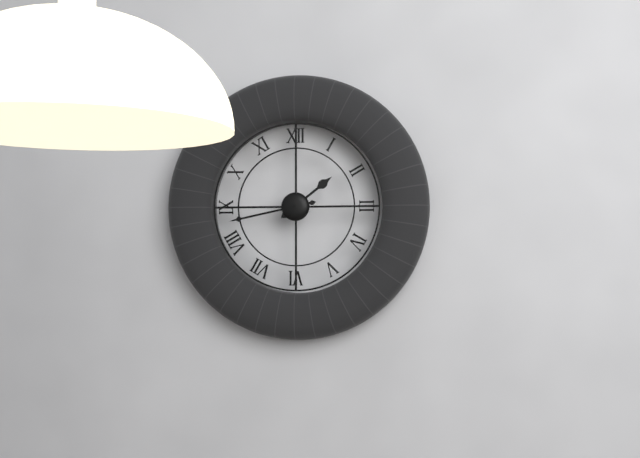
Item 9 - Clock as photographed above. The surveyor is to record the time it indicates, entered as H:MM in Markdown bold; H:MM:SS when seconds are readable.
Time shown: **1:43**
